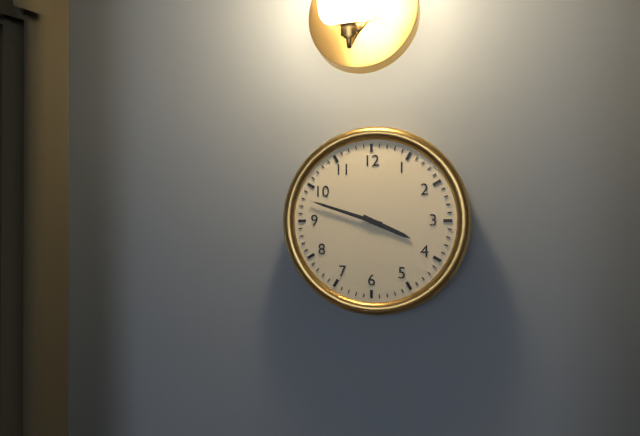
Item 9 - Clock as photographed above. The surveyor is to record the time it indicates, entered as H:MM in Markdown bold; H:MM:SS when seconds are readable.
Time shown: **3:48**
